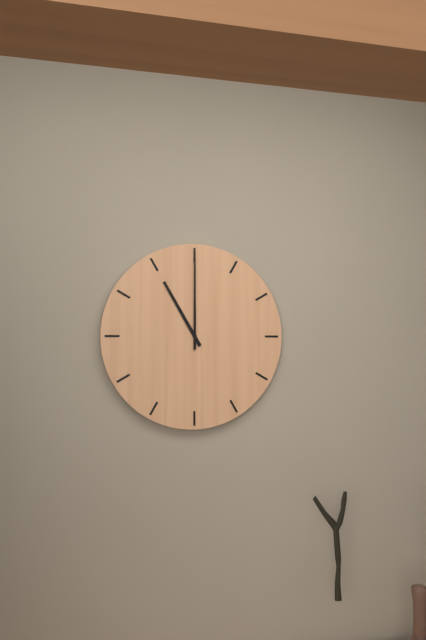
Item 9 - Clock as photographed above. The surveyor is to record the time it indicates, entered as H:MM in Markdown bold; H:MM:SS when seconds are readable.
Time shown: **11:00**
